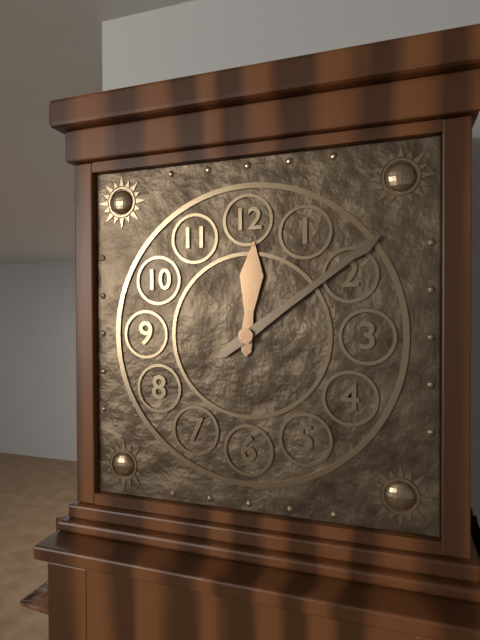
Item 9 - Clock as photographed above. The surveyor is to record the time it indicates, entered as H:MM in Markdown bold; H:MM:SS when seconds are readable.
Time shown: **12:09**
